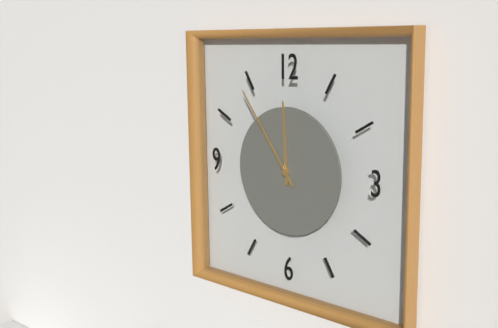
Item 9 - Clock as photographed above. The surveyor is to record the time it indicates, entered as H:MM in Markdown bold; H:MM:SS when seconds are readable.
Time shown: **11:54**
